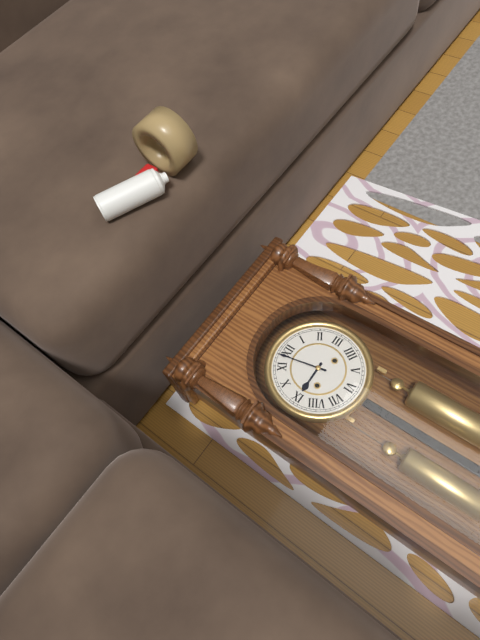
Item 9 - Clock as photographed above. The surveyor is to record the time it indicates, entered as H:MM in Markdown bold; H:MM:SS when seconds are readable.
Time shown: **8:58**
